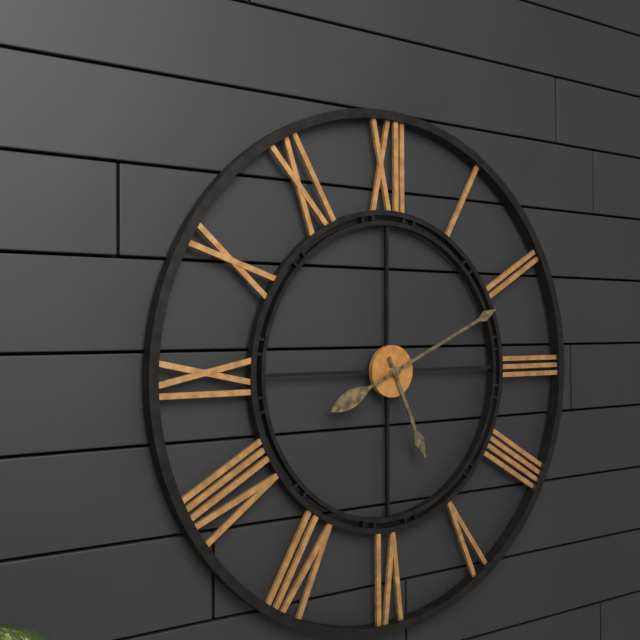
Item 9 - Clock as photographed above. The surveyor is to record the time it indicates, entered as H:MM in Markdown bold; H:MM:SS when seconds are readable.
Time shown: **5:11**
